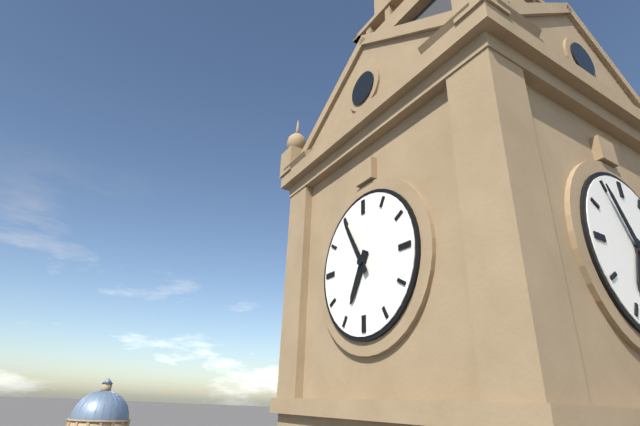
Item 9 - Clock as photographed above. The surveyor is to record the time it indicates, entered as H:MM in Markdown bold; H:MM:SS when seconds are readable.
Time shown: **6:55**
